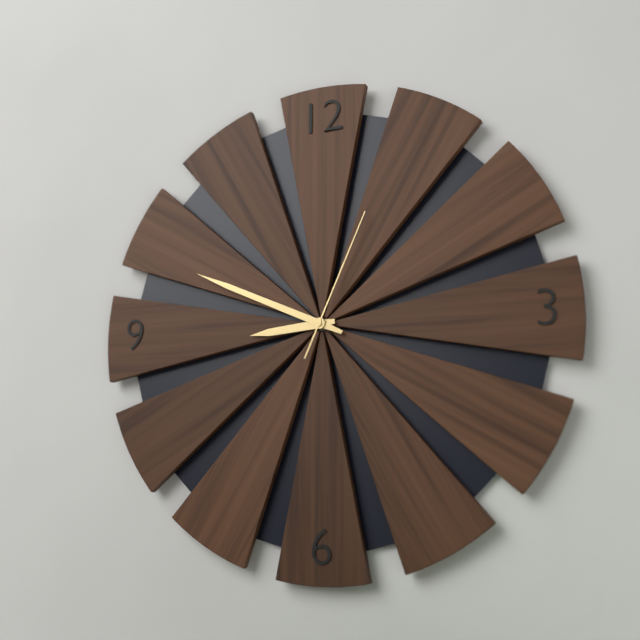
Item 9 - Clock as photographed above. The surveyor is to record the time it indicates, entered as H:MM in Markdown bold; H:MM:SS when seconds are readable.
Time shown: **8:49:04**
